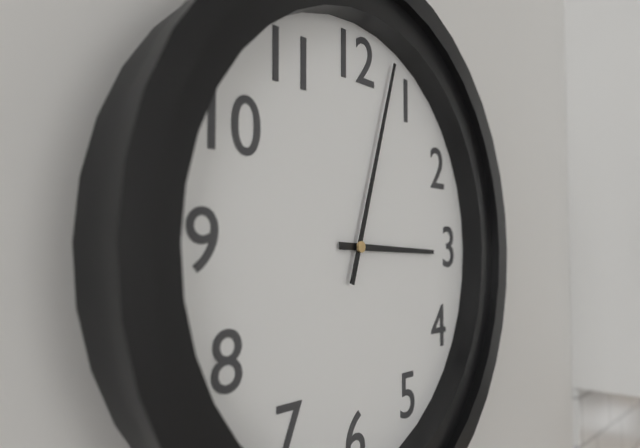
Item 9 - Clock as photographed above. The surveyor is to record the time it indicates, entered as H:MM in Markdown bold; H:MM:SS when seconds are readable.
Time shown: **3:03**
